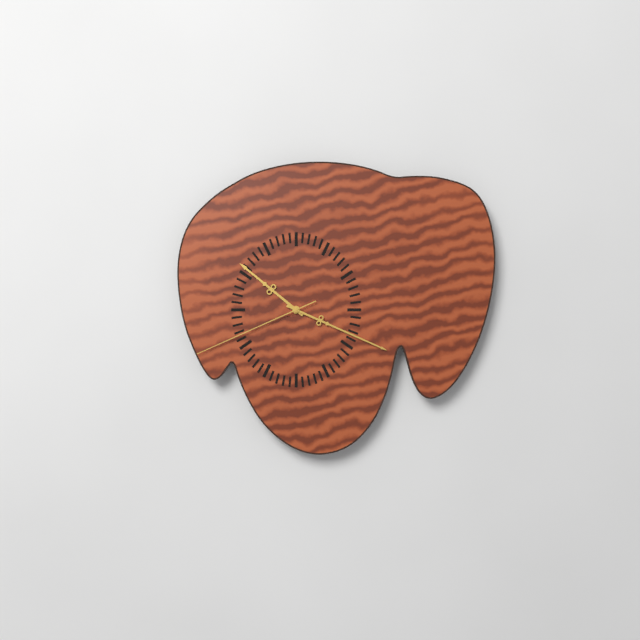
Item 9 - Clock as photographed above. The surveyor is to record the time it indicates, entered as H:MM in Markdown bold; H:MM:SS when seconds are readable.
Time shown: **10:19:41**
